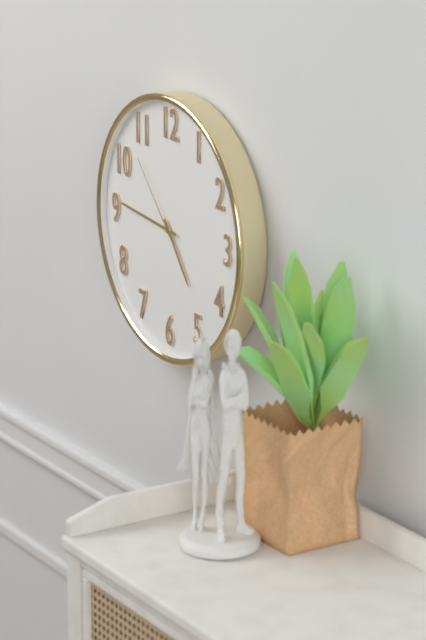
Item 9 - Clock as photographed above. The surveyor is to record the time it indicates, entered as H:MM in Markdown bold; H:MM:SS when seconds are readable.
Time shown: **4:46:53**
